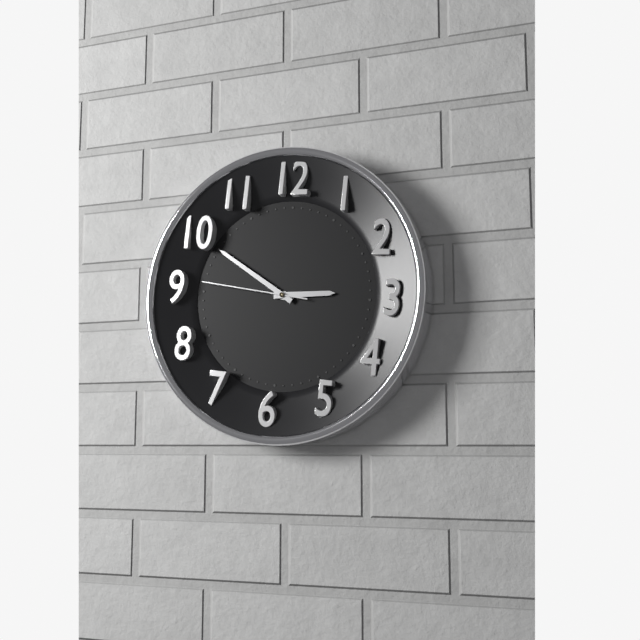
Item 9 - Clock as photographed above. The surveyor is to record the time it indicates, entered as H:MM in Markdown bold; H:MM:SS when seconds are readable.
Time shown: **2:50:46**
